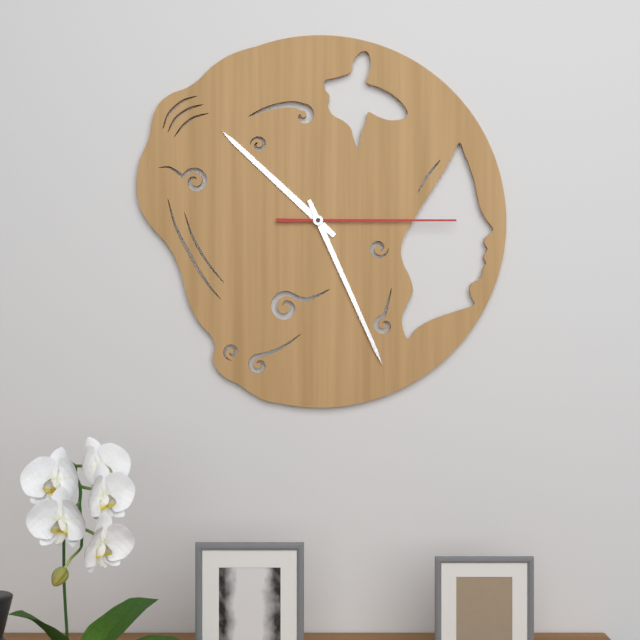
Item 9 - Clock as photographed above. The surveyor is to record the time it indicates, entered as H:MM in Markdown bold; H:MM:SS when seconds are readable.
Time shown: **10:26:15**
